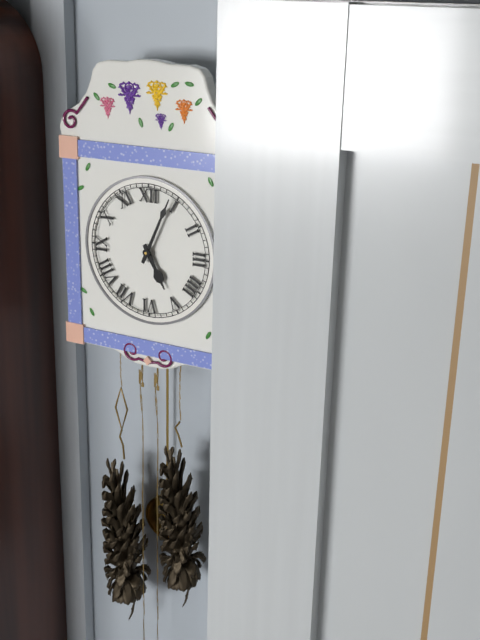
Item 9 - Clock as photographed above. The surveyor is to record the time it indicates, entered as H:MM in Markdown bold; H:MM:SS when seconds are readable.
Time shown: **5:04**
